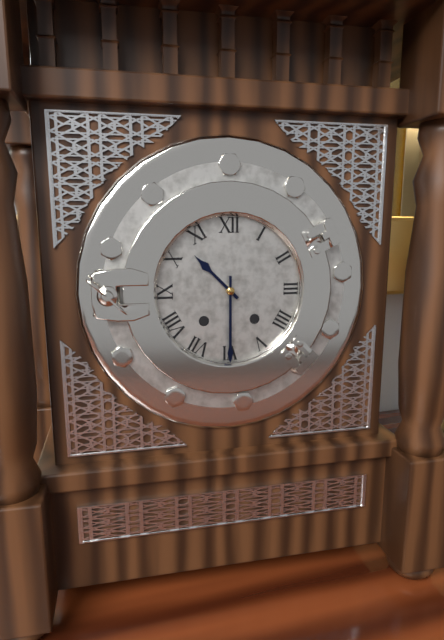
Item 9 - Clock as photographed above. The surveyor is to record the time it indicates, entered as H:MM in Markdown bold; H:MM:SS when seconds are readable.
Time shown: **10:30**
